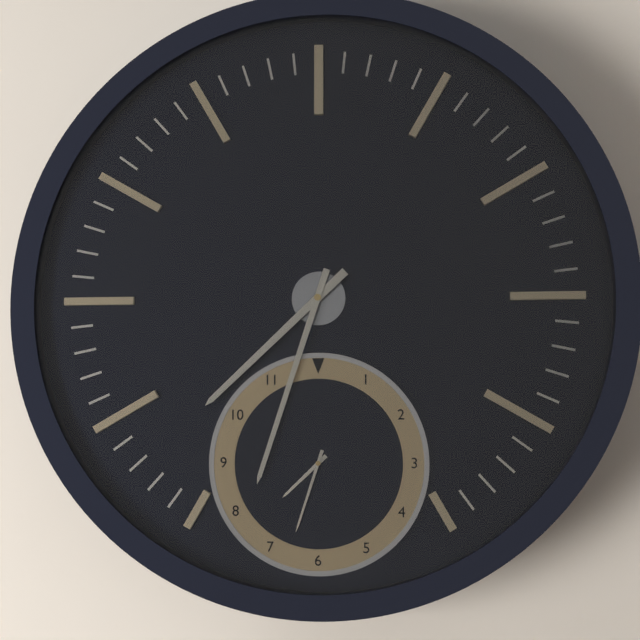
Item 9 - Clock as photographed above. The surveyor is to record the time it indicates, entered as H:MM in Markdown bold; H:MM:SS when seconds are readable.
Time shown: **7:33**
